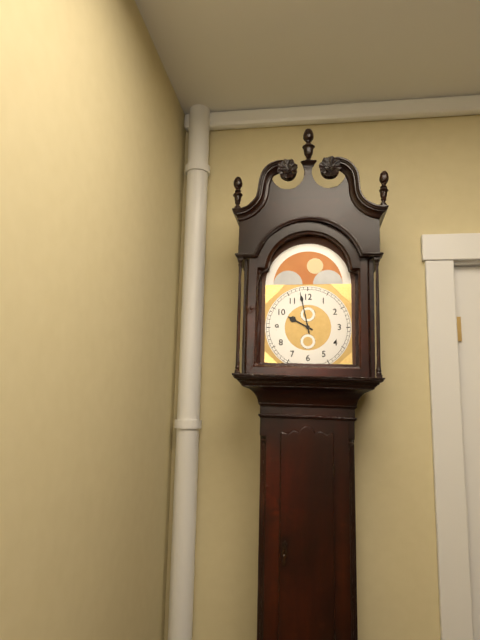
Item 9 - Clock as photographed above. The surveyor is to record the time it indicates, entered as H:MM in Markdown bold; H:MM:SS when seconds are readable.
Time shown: **9:58**
